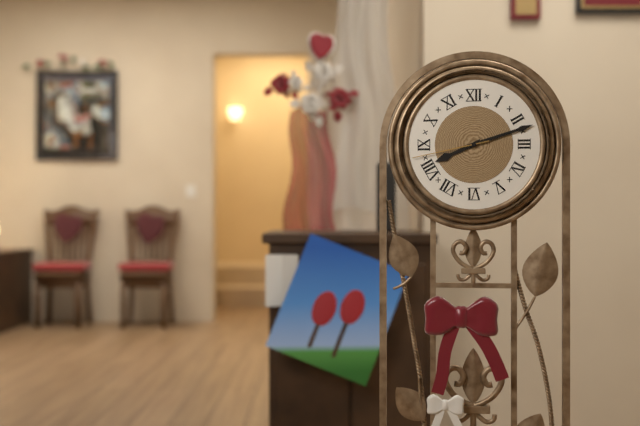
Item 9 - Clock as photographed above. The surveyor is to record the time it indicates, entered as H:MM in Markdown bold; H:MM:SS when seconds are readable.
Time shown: **8:12:43**
